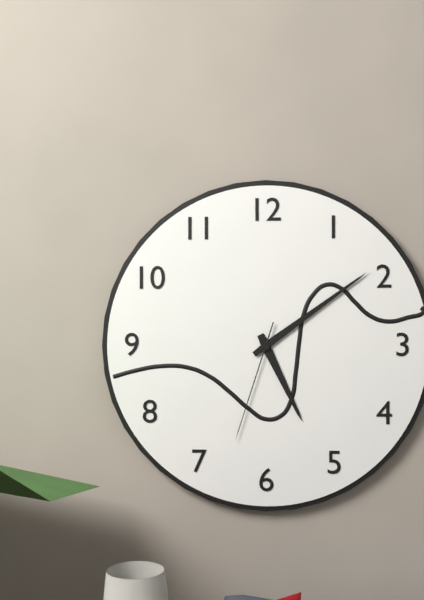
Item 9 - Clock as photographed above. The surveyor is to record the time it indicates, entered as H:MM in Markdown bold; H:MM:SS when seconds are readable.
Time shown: **5:09:33**
